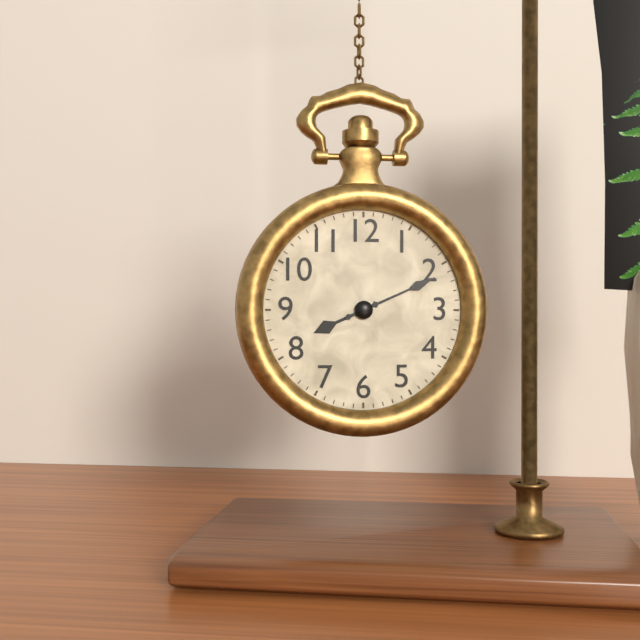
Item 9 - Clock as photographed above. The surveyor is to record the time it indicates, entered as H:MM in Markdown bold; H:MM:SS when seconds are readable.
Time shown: **8:11**
